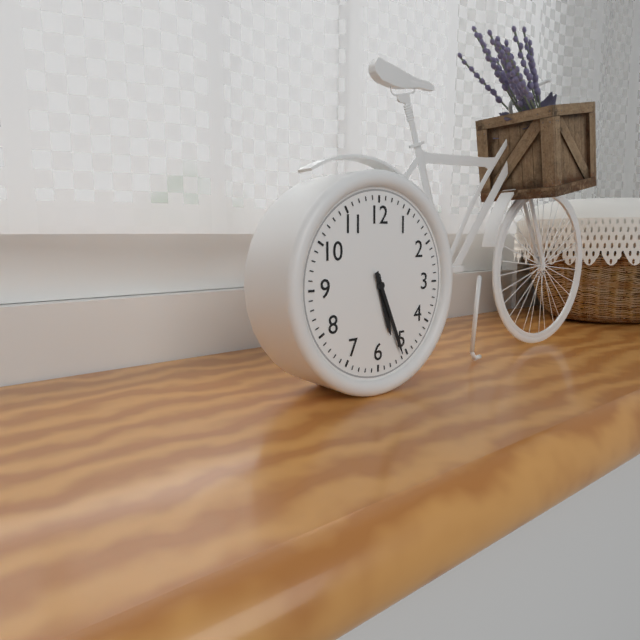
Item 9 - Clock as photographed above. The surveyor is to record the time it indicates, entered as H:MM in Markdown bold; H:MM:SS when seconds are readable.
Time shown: **5:26**
